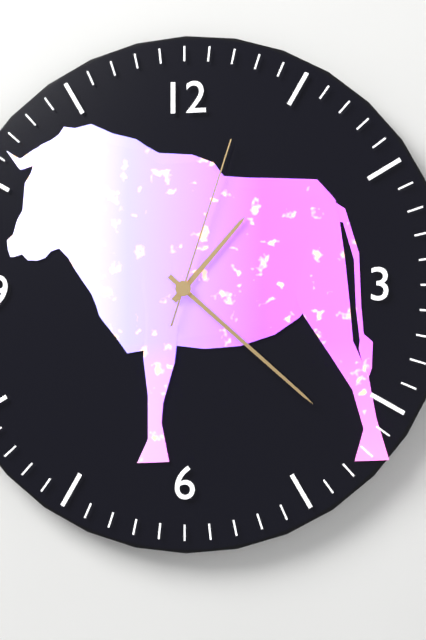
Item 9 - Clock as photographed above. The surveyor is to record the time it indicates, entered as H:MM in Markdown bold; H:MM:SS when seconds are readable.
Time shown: **1:22:03**
